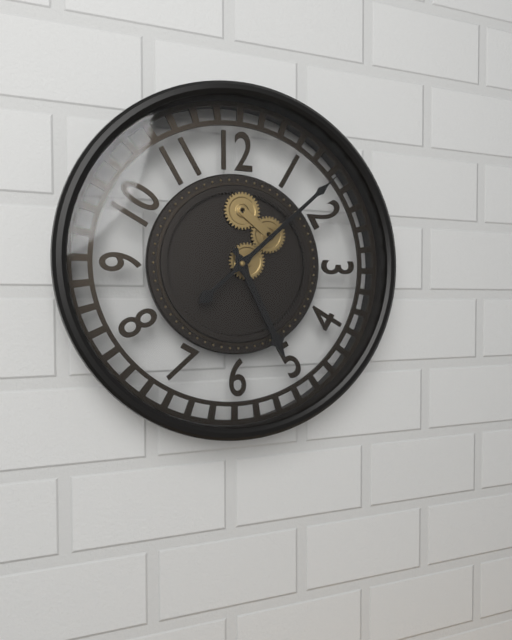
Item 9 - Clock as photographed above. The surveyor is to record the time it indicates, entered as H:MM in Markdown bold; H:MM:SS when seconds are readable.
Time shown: **5:08**
